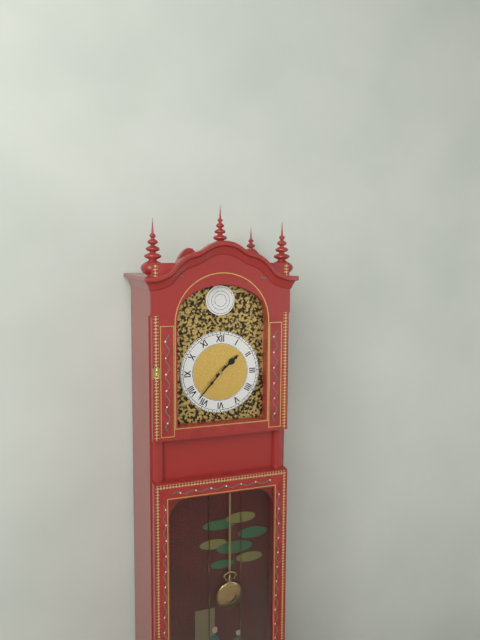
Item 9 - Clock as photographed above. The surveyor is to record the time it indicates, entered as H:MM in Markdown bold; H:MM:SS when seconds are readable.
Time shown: **1:37**
